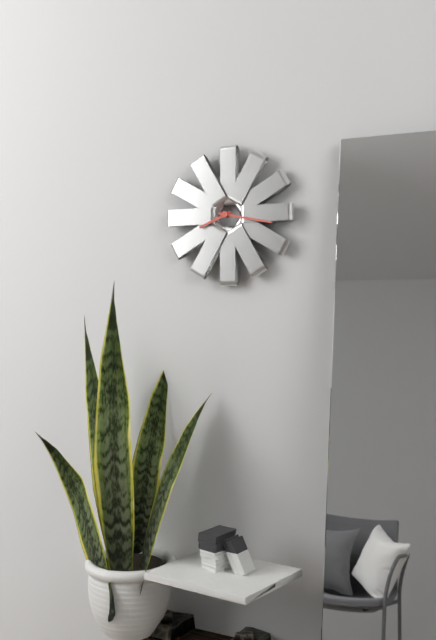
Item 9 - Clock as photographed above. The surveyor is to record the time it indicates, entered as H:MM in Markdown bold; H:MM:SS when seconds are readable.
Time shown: **8:17**
